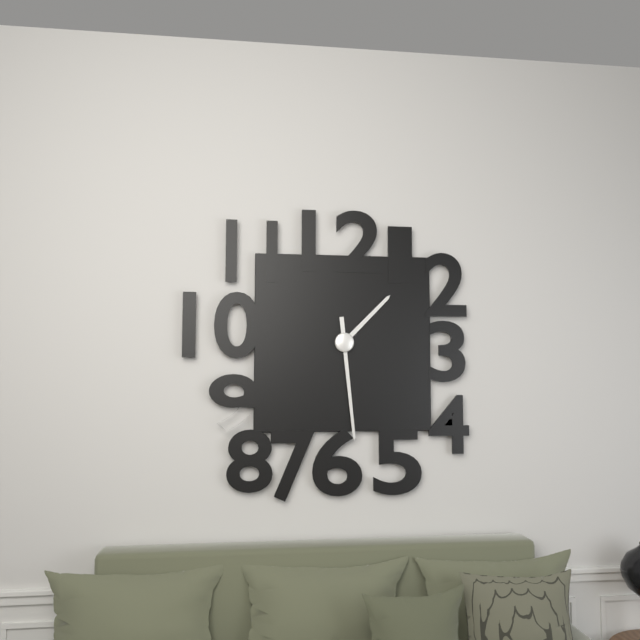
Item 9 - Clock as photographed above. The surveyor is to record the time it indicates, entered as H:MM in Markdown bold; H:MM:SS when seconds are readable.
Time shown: **1:29**
